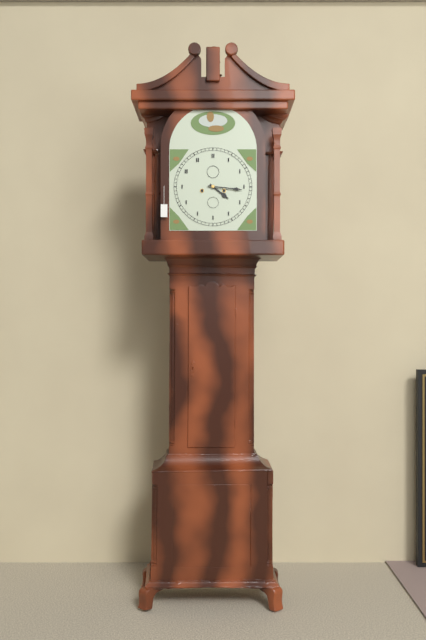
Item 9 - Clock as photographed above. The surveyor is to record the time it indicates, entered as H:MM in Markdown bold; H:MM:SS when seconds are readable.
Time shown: **4:16**
